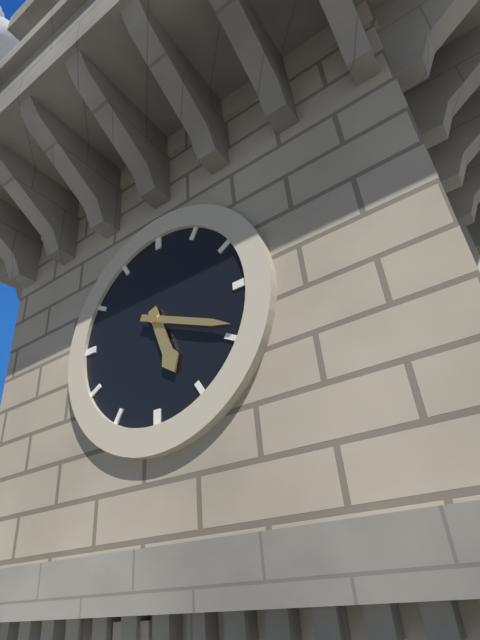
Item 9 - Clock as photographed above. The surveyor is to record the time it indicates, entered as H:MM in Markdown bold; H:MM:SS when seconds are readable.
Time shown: **5:19**
